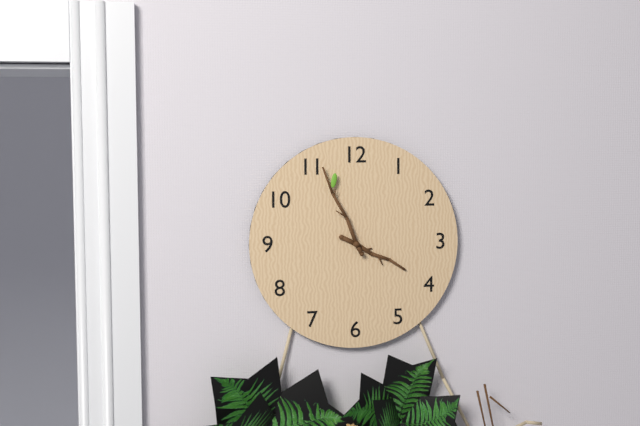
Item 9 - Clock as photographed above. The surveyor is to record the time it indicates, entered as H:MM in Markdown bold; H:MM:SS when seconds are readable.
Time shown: **3:56**
